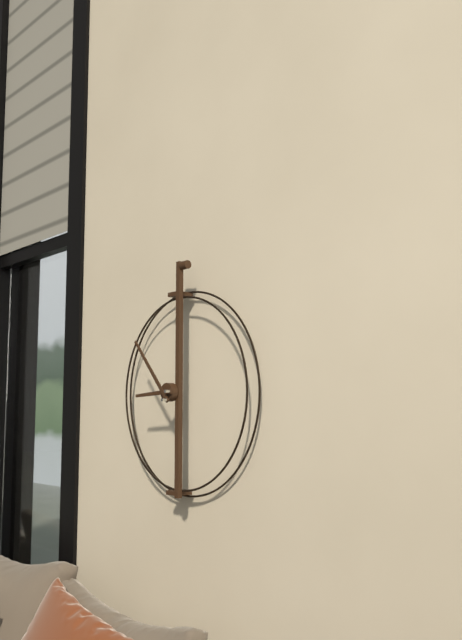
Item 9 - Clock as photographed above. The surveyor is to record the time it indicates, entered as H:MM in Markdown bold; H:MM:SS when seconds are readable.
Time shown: **8:53**
